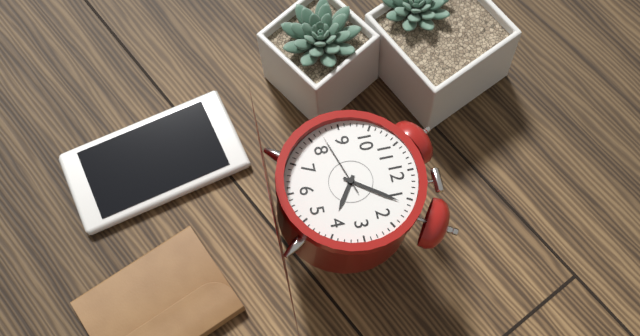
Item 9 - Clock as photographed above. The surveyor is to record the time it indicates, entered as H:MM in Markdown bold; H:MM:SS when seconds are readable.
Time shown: **4:06:42**
